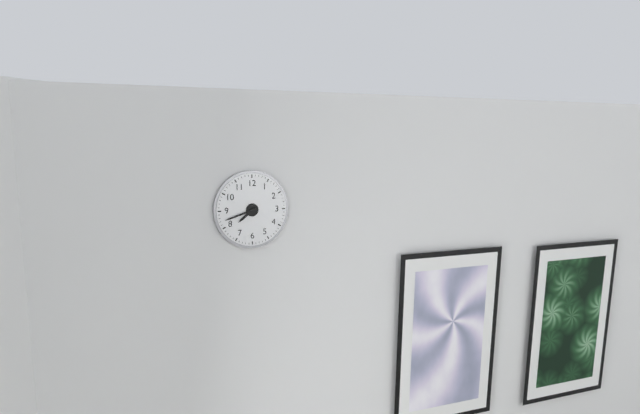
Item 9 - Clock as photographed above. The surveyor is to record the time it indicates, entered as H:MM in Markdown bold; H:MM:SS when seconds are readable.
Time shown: **7:42**
